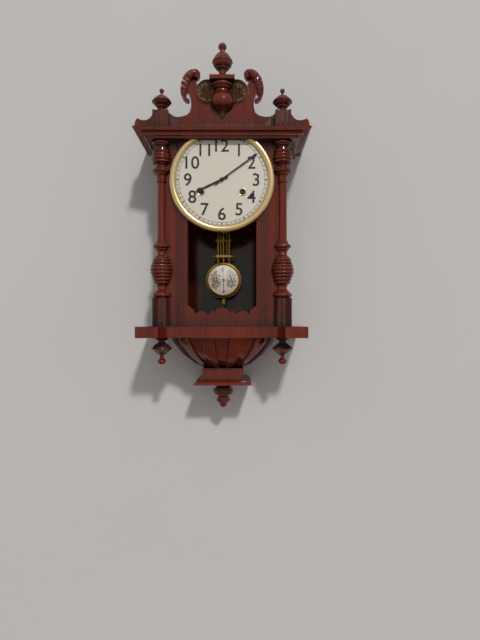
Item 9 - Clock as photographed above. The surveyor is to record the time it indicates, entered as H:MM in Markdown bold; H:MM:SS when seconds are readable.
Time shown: **8:09**
